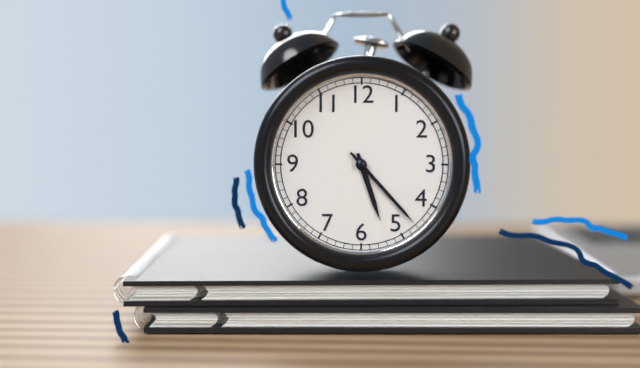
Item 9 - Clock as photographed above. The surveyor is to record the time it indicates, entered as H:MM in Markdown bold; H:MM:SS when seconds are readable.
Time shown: **5:23**
